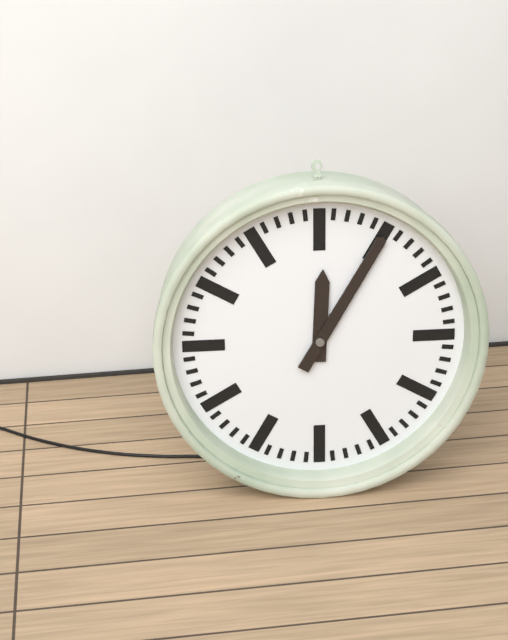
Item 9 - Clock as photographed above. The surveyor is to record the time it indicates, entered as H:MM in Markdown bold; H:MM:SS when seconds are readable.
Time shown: **12:05**
